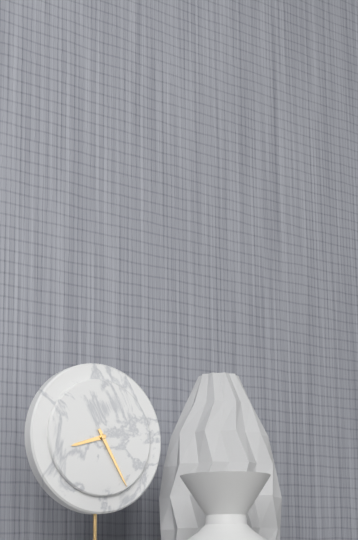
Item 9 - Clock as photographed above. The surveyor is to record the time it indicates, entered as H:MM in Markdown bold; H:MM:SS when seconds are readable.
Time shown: **8:25**
